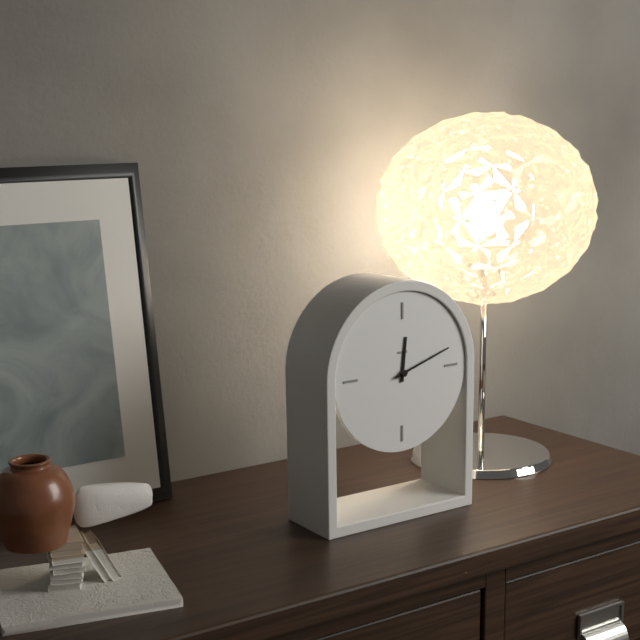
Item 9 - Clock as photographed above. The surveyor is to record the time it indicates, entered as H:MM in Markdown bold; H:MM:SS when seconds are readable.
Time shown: **12:12**
